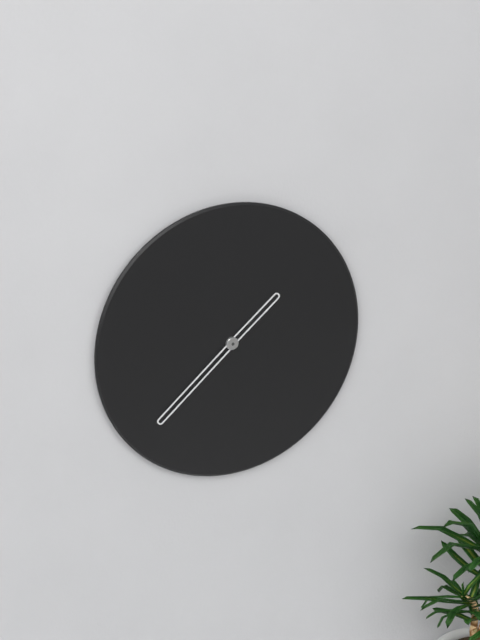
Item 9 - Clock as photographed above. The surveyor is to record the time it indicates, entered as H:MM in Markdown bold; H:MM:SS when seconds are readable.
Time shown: **1:38**
